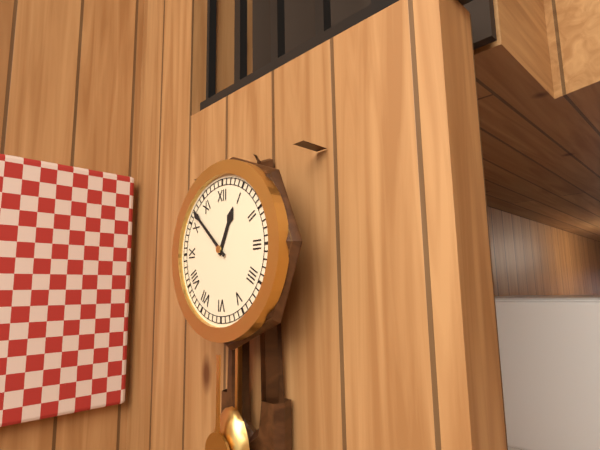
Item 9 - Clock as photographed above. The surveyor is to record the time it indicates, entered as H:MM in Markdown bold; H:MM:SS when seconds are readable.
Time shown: **12:52**
